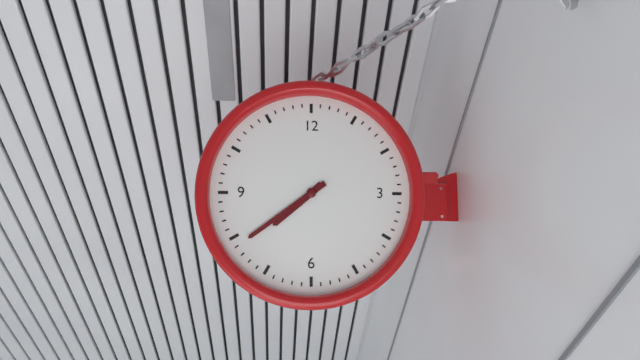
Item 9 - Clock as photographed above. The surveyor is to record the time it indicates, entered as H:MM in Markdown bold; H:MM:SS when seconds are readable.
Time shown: **7:39**
